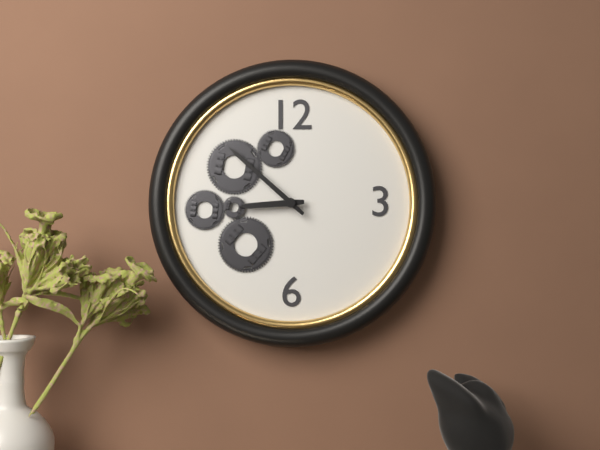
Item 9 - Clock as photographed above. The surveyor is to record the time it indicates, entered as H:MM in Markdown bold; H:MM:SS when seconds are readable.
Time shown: **8:52**
